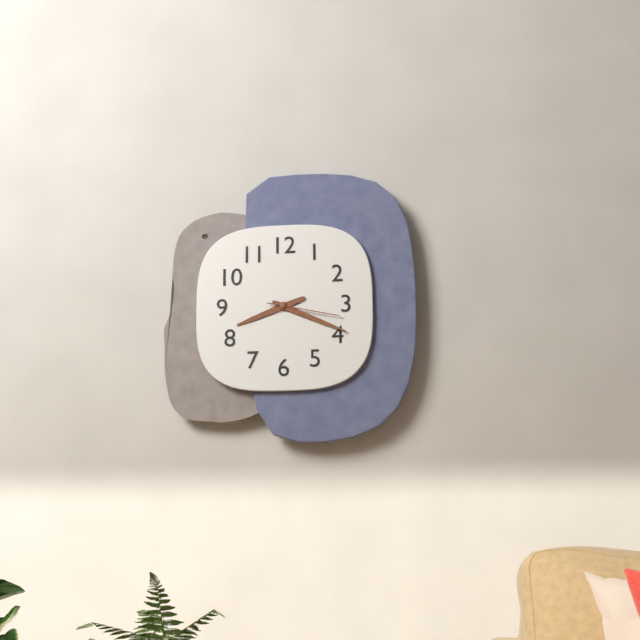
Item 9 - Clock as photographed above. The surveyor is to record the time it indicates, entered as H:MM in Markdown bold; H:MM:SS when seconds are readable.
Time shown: **8:19:17**
